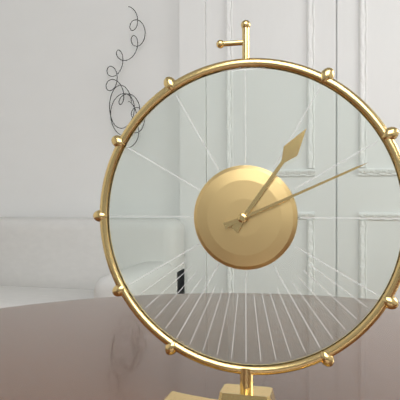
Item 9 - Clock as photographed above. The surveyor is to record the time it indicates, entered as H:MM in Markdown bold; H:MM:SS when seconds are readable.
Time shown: **1:11**
